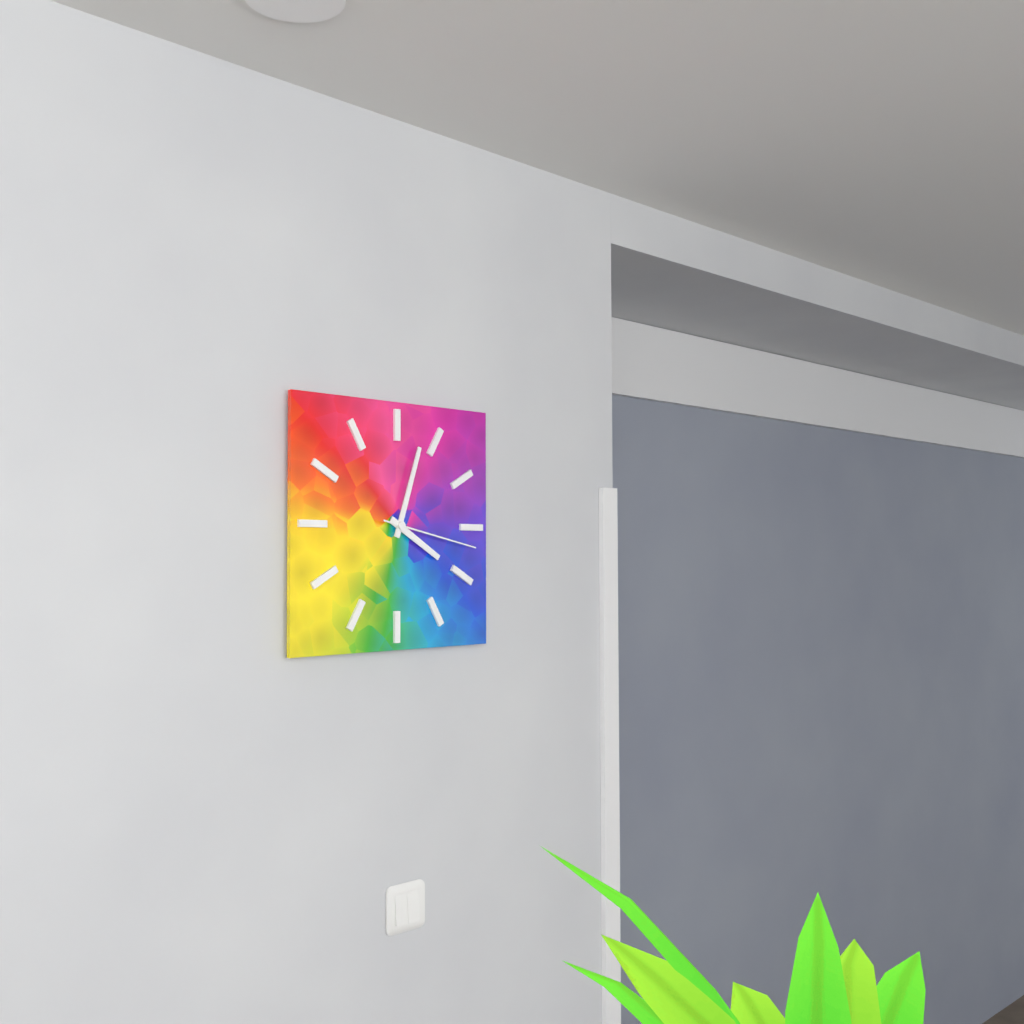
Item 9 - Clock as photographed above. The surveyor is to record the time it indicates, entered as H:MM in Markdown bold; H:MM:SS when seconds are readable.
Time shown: **4:03:17**
